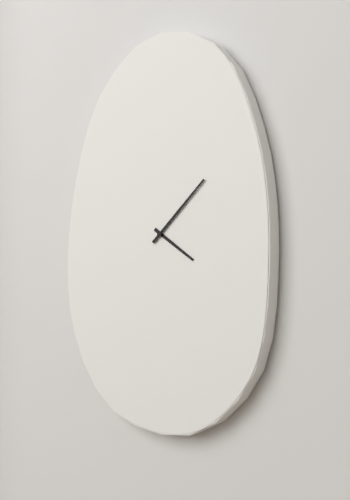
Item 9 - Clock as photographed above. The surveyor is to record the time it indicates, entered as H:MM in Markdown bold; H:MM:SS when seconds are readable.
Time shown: **4:08**
